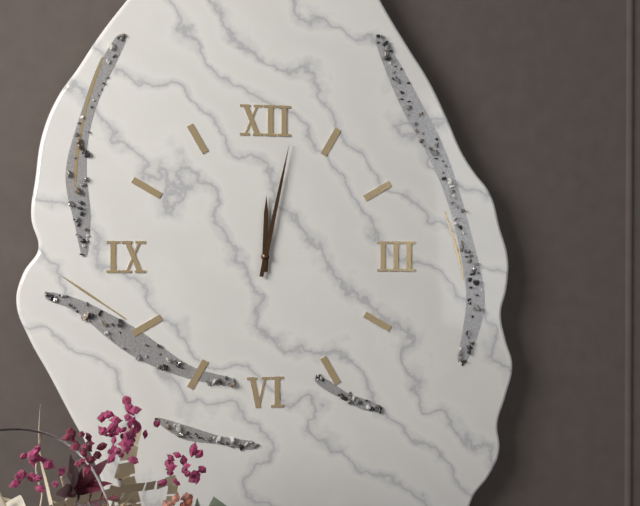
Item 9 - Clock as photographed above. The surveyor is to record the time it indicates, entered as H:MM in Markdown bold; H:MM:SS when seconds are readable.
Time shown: **12:02**
